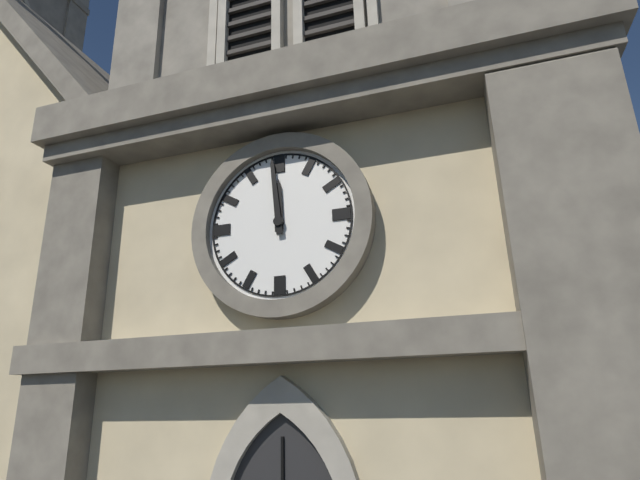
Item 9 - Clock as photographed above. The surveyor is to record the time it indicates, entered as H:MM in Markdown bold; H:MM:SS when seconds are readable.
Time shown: **11:59**
